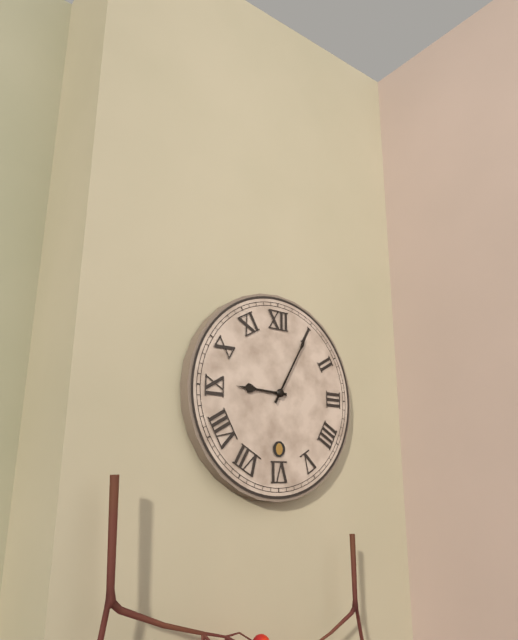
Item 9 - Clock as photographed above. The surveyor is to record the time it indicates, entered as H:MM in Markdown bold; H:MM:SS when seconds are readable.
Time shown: **9:05**
